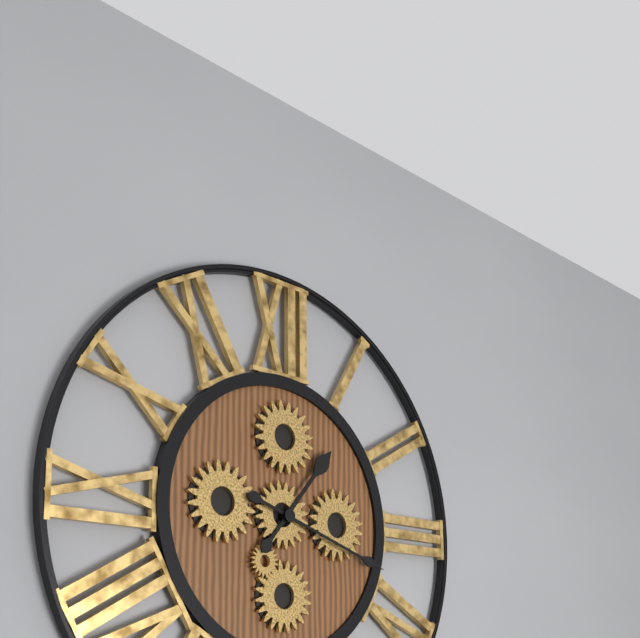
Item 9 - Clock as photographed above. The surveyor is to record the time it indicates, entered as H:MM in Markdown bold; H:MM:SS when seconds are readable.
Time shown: **1:18**
